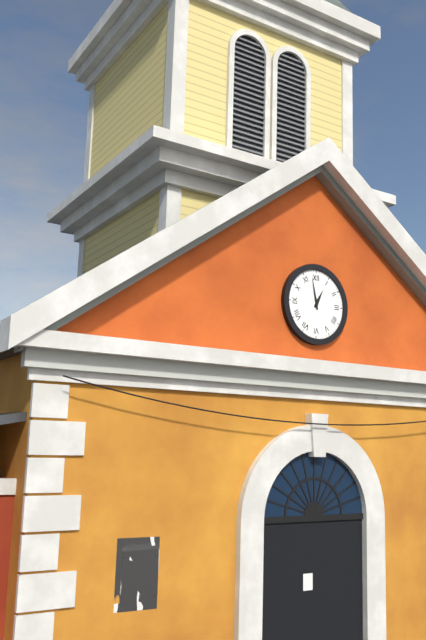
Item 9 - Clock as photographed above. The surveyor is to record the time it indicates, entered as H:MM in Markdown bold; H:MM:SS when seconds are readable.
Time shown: **12:58**
